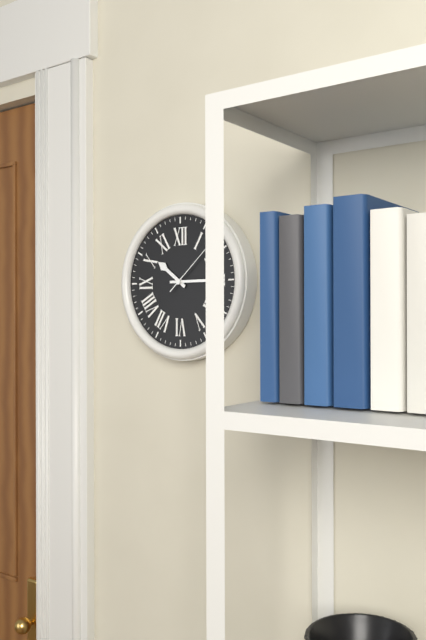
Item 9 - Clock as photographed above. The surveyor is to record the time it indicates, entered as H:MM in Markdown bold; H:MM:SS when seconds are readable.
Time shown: **10:15:08**
